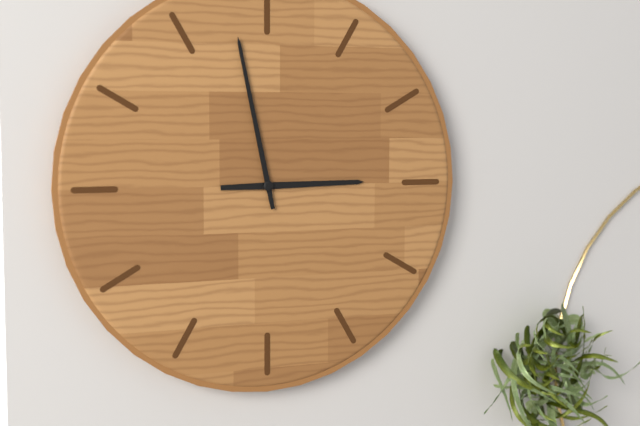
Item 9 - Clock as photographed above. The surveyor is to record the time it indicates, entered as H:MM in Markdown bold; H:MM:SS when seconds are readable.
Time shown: **2:58**
